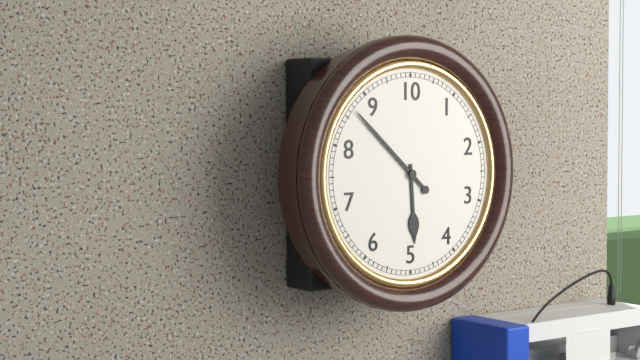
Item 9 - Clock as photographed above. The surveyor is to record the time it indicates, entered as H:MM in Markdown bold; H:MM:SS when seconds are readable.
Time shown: **5:52**
